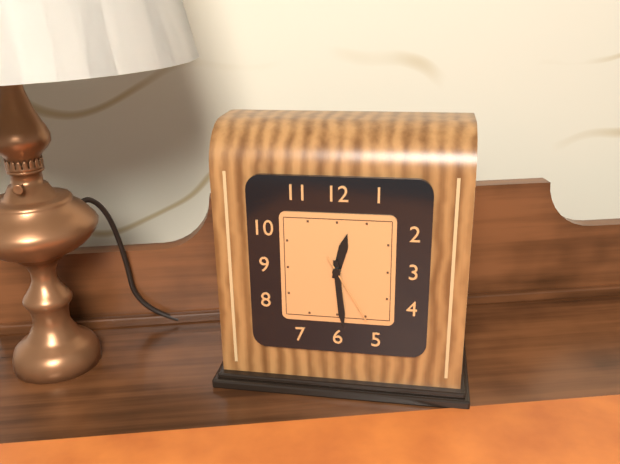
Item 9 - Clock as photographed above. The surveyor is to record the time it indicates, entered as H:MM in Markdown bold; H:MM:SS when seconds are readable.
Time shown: **12:29:25**
